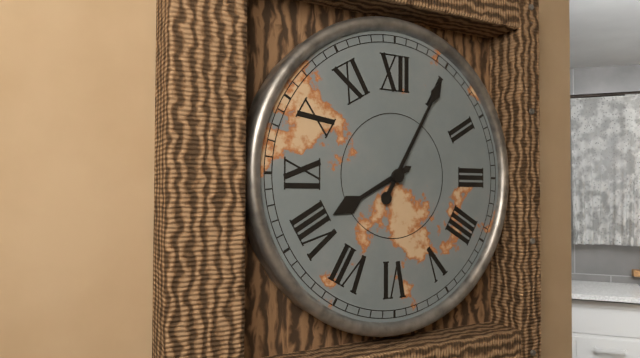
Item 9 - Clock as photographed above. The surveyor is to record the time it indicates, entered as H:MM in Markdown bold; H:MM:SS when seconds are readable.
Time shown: **8:05**
